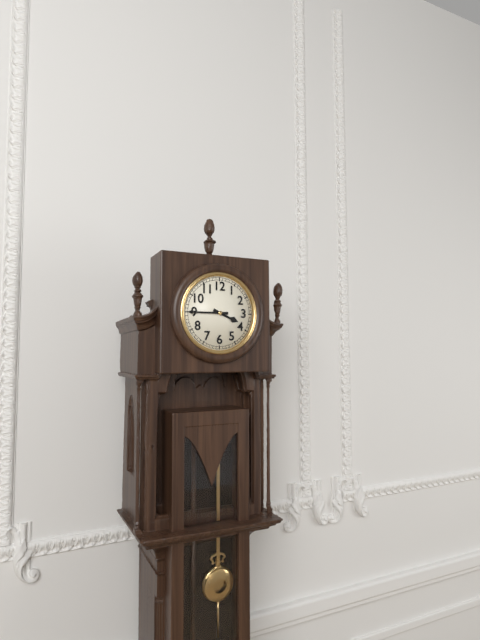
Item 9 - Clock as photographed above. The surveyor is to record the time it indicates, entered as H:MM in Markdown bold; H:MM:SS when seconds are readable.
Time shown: **3:45**
